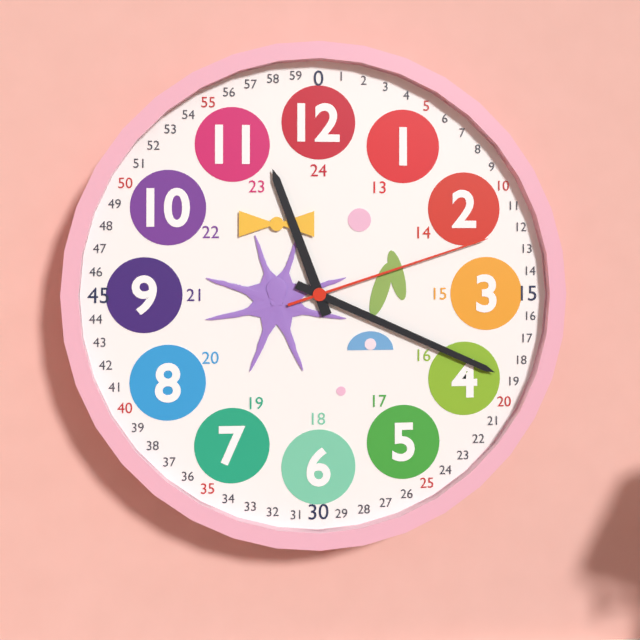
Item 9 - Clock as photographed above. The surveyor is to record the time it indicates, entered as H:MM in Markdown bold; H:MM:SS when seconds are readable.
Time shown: **11:19:12**
